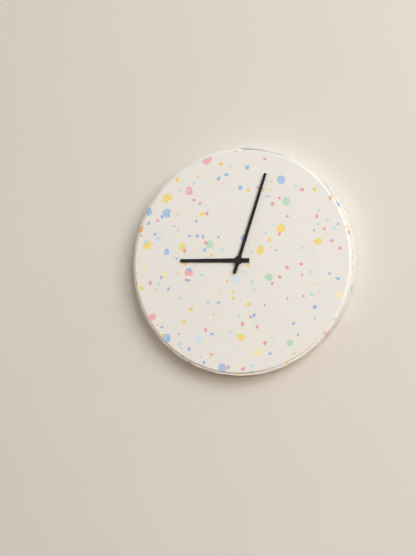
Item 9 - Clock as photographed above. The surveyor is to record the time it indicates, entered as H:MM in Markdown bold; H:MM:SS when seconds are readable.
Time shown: **9:03**
